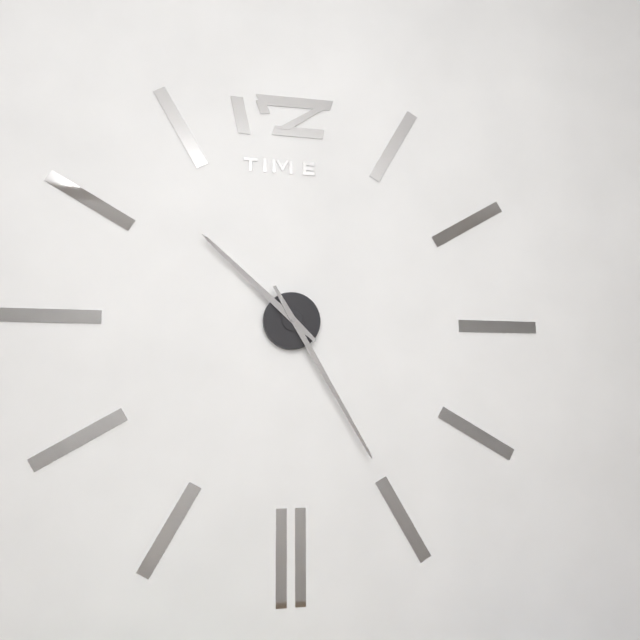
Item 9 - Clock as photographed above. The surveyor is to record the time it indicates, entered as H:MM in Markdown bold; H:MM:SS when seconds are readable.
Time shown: **10:25**
